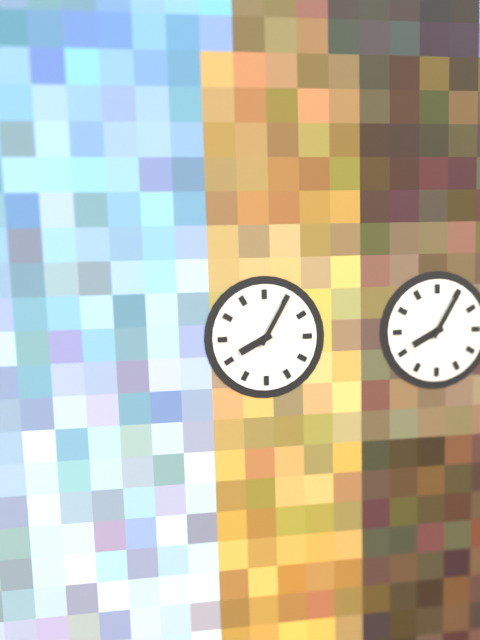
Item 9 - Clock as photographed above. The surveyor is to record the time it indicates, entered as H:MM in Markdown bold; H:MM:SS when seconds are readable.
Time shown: **8:05**
